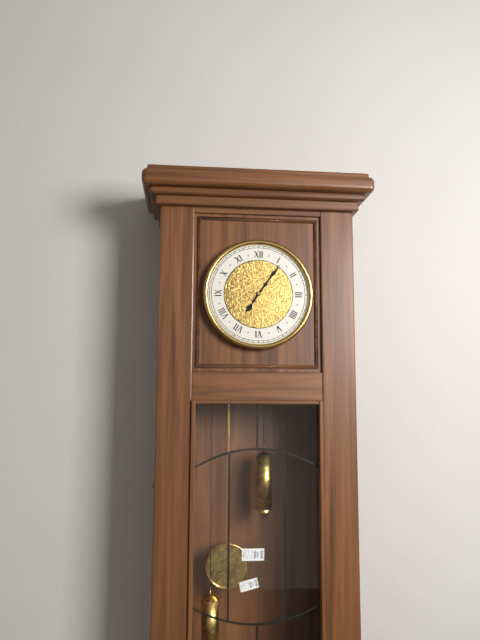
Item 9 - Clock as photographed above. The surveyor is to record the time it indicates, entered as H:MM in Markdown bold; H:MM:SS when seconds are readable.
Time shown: **7:06**
